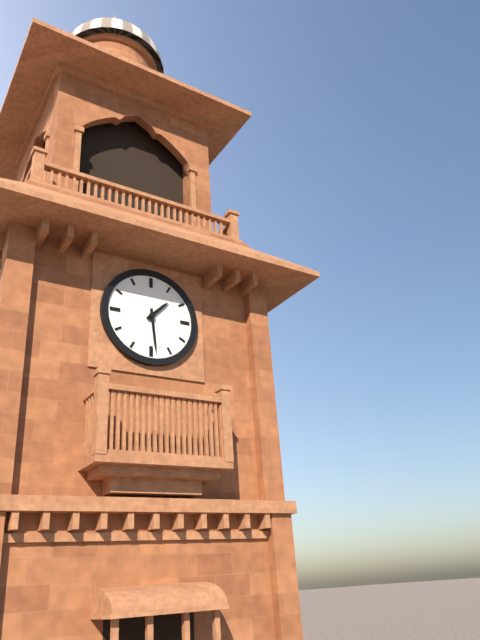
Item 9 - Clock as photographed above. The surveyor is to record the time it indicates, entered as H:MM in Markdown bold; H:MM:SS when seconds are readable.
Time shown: **1:29**
